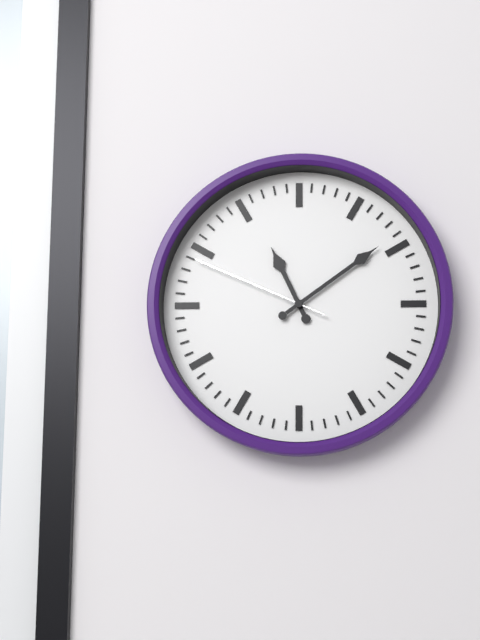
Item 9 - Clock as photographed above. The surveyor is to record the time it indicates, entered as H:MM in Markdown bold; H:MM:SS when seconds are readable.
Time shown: **11:09:49**
